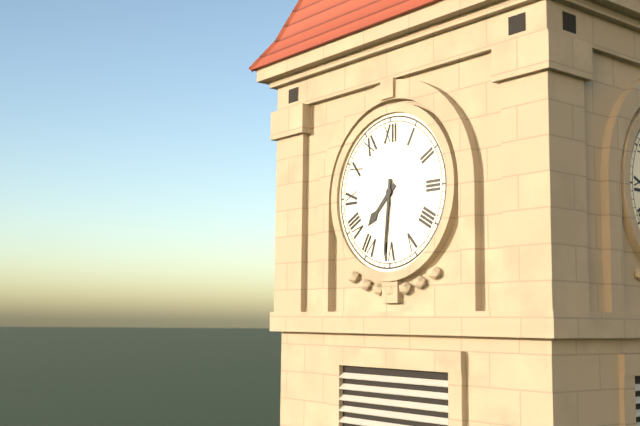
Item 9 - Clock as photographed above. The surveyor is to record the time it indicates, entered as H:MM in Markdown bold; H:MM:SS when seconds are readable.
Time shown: **7:31**
